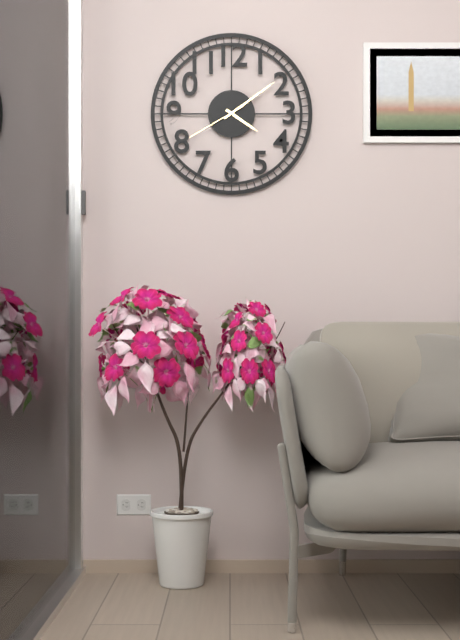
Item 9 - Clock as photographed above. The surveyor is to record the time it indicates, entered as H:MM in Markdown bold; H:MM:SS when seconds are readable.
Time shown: **4:09:40**
